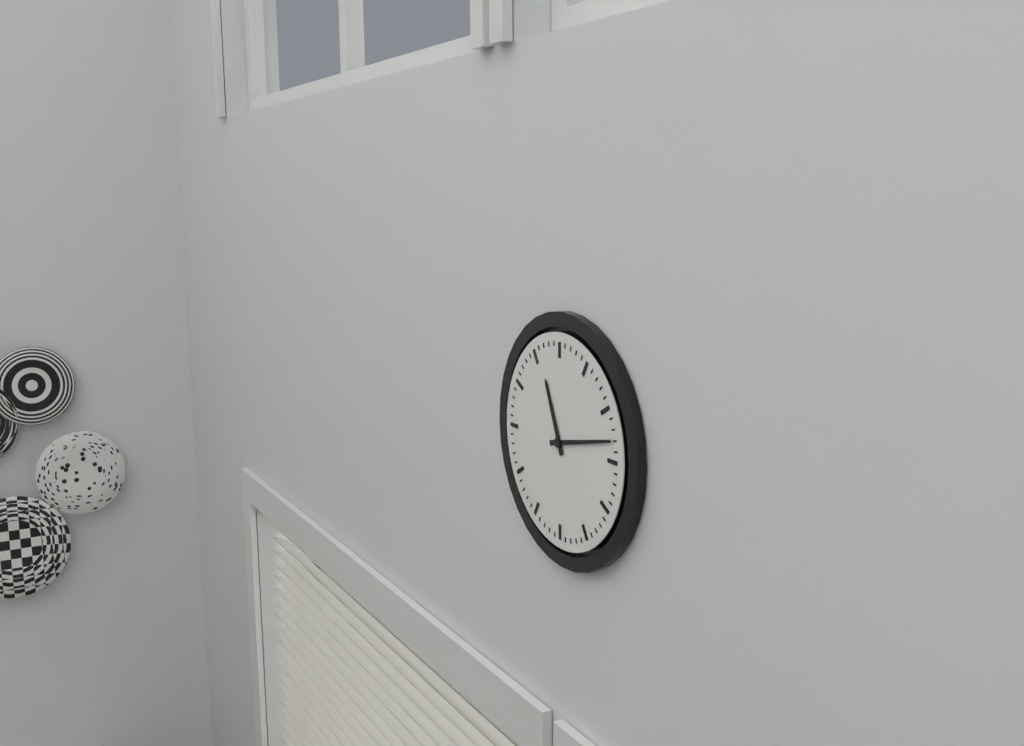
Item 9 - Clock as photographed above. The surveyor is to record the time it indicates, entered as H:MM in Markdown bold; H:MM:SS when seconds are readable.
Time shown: **11:13**
